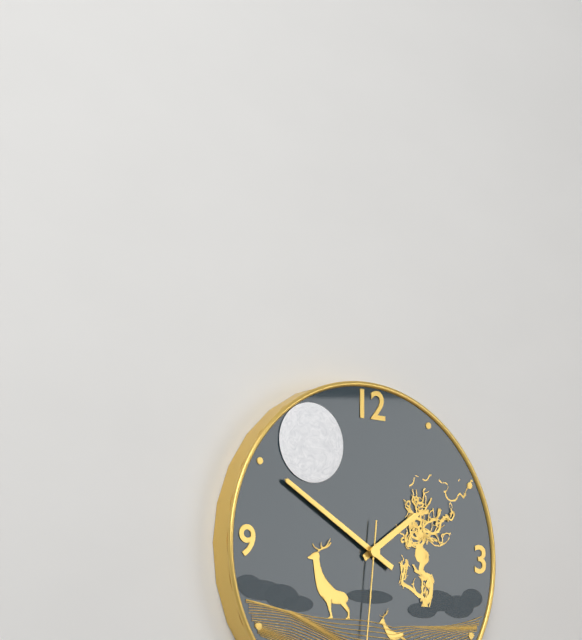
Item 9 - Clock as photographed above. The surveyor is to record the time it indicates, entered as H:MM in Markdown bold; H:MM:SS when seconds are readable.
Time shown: **1:50**
